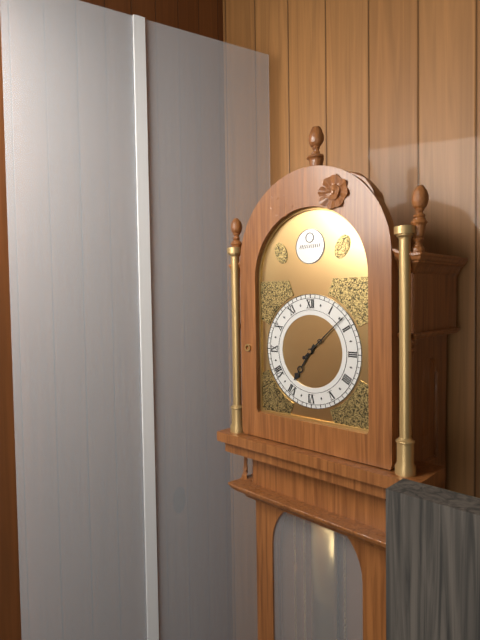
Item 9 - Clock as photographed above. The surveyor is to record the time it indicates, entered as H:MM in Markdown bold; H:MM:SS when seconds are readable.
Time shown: **7:08**
